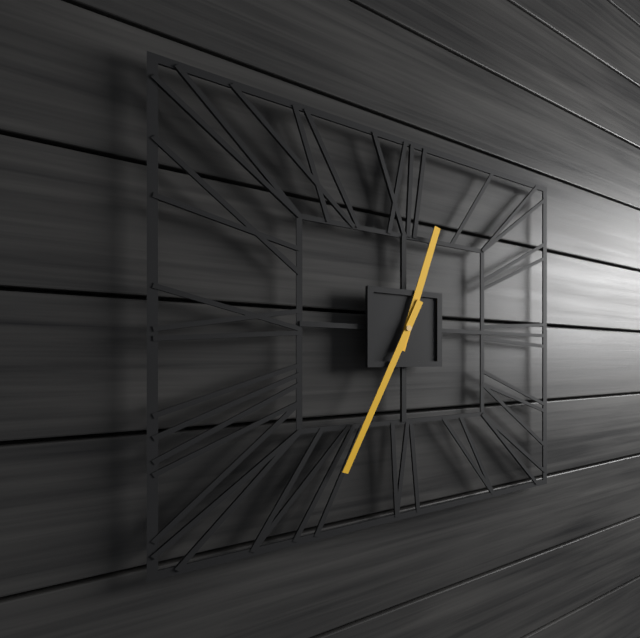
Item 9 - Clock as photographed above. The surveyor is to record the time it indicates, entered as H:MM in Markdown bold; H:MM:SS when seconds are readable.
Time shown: **12:34**
